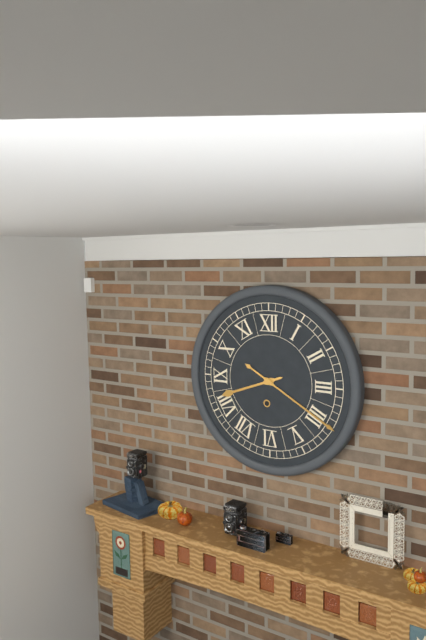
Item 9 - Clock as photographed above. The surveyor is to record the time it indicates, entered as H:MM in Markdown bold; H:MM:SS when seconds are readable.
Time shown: **8:20**
